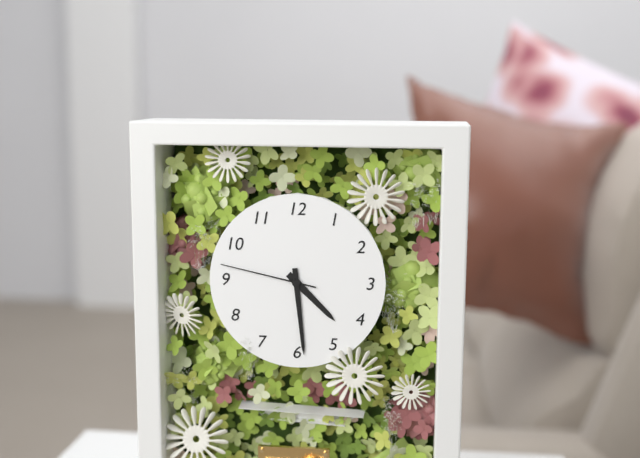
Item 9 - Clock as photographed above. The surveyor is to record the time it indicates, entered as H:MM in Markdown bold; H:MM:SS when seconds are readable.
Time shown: **4:29:47**
